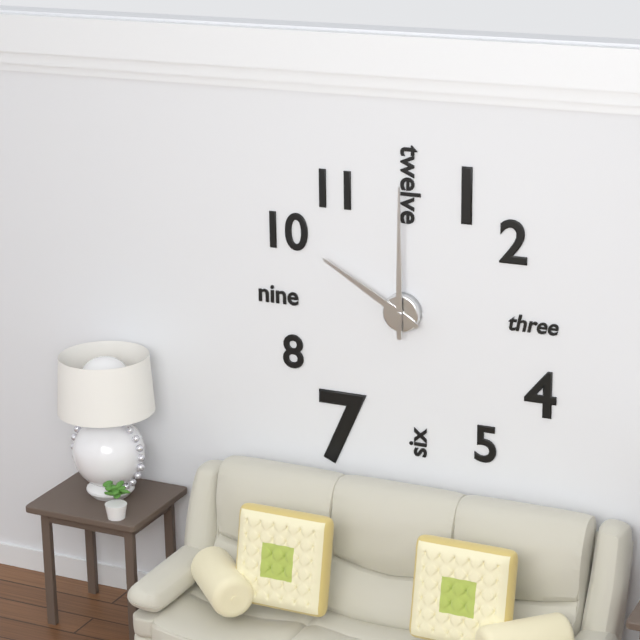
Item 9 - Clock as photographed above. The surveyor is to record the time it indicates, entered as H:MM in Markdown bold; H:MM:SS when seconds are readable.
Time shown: **10:00**
